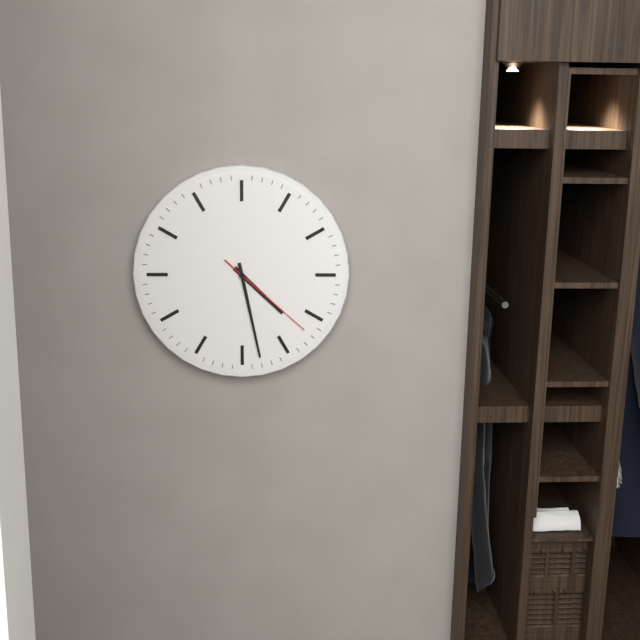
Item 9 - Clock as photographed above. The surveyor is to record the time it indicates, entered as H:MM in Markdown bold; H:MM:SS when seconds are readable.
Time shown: **4:28:22**
